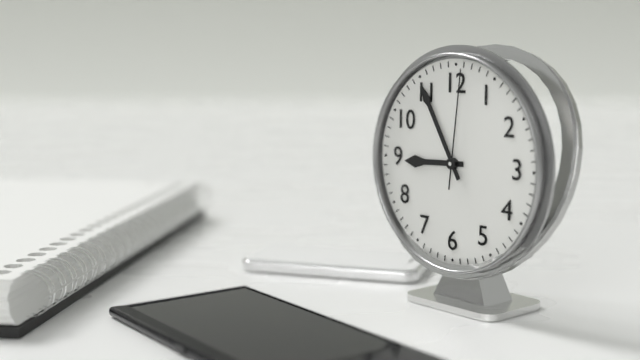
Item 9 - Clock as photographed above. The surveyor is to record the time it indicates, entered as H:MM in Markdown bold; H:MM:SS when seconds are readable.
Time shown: **8:55:01**
